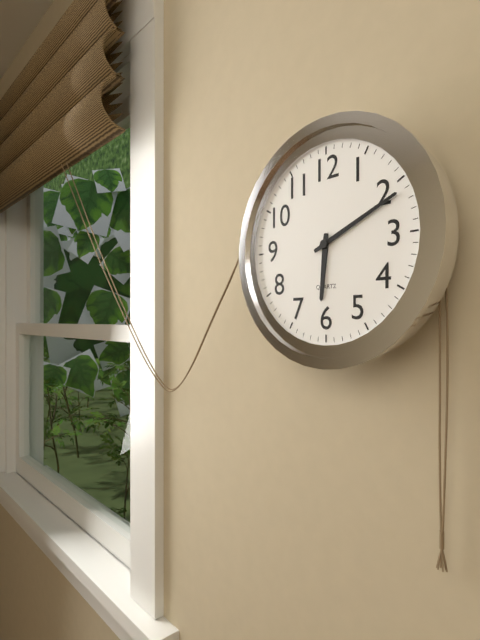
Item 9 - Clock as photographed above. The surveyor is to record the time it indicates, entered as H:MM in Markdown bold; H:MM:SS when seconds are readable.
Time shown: **6:11**
